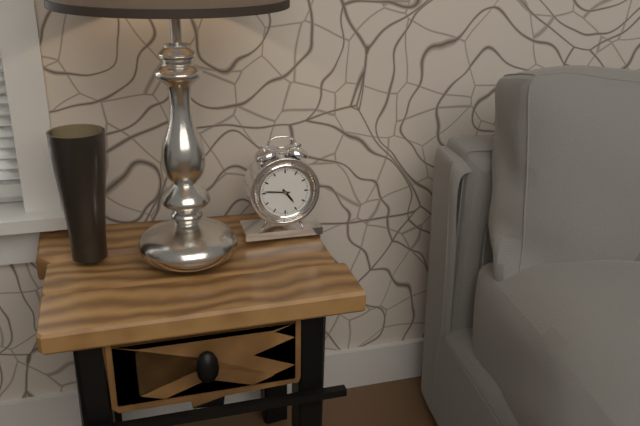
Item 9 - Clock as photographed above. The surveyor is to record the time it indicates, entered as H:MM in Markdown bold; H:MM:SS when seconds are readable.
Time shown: **4:46**
